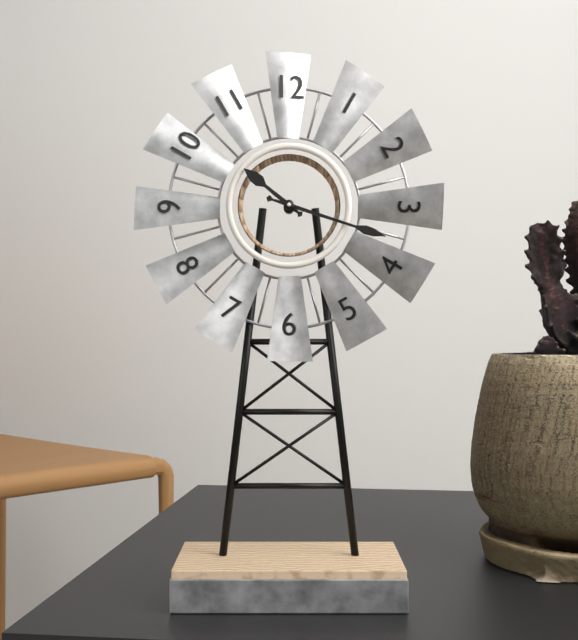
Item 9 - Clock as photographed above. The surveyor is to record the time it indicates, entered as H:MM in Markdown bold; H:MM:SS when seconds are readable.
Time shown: **10:18**
